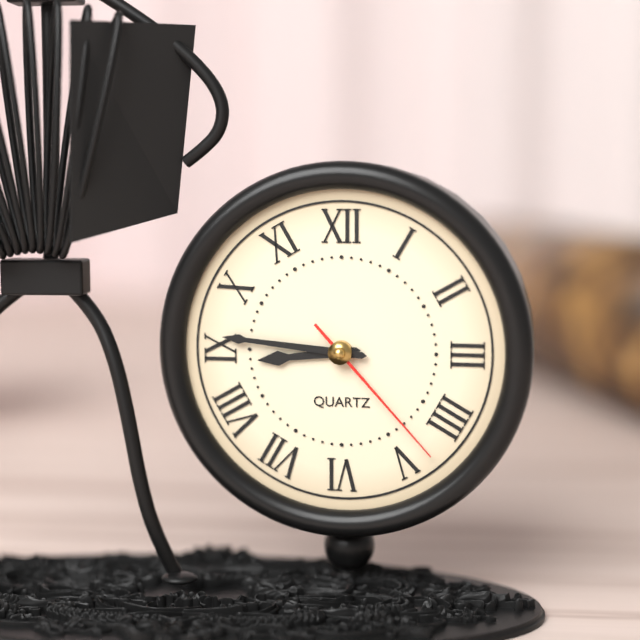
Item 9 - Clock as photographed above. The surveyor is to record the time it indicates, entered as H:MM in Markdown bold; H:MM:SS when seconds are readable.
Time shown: **8:46:23**
